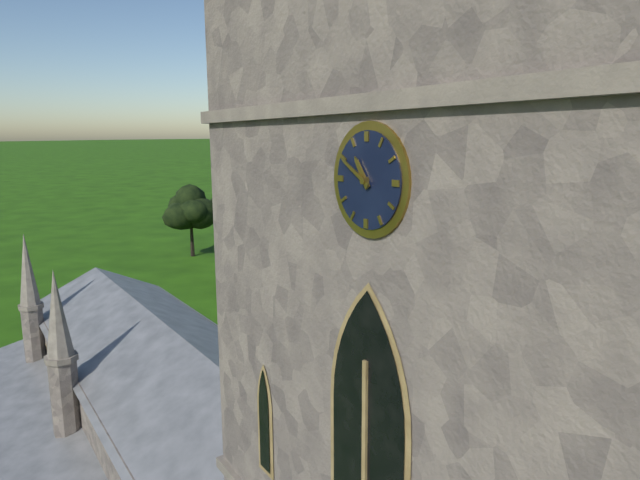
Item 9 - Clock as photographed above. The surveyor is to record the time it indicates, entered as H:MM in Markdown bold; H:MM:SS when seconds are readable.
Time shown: **10:50**
